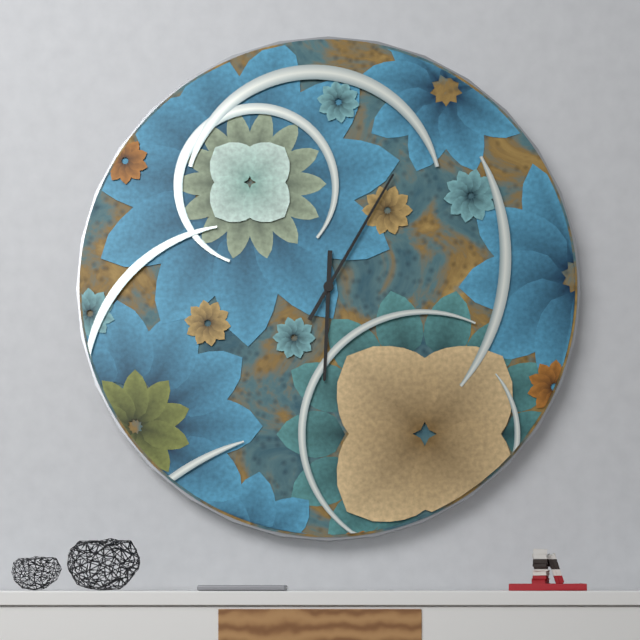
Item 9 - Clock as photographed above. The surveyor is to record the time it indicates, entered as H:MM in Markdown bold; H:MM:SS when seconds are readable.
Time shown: **6:05**
